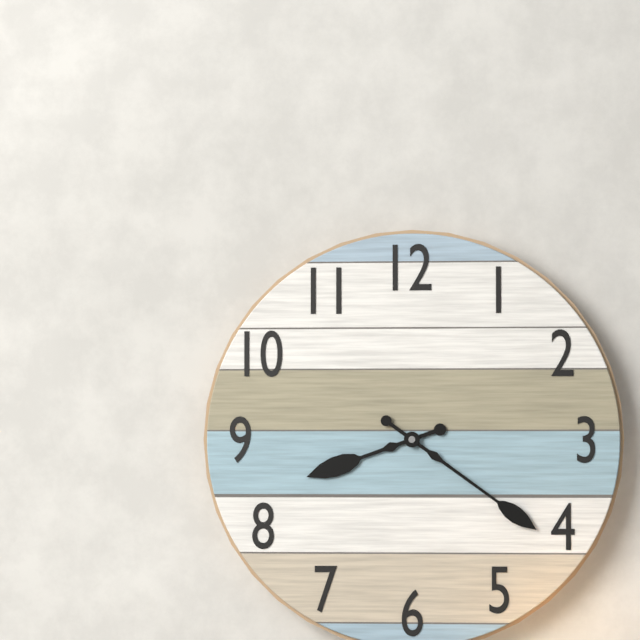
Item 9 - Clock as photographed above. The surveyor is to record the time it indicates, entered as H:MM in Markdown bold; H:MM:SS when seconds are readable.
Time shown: **8:21**
